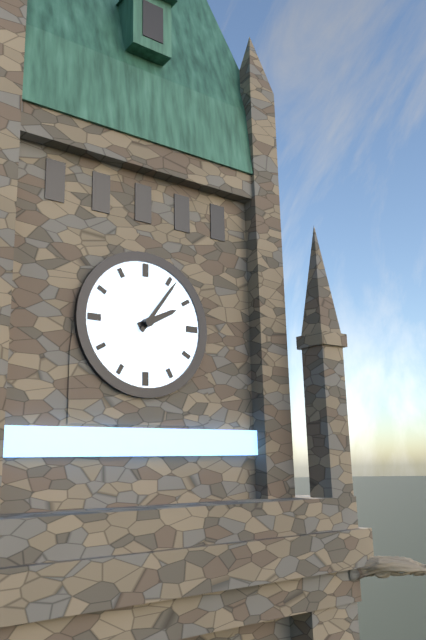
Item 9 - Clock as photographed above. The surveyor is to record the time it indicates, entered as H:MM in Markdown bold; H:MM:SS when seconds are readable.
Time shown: **2:06**
